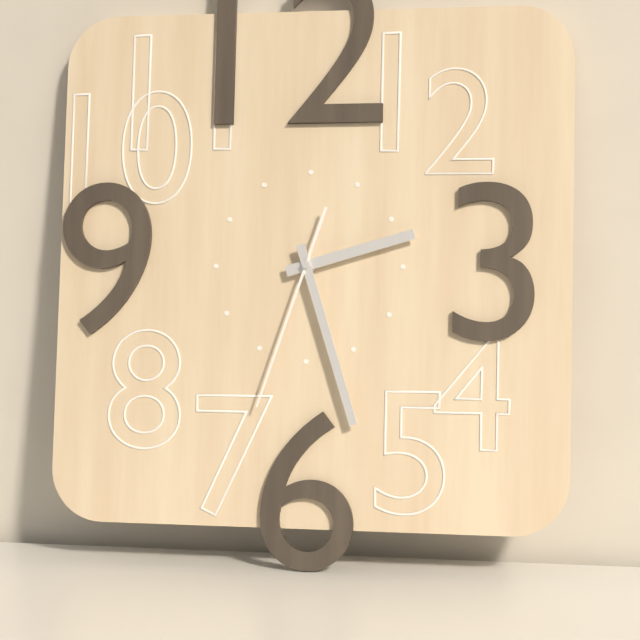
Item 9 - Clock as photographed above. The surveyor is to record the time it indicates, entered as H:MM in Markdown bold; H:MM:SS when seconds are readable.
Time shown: **2:27:33**
